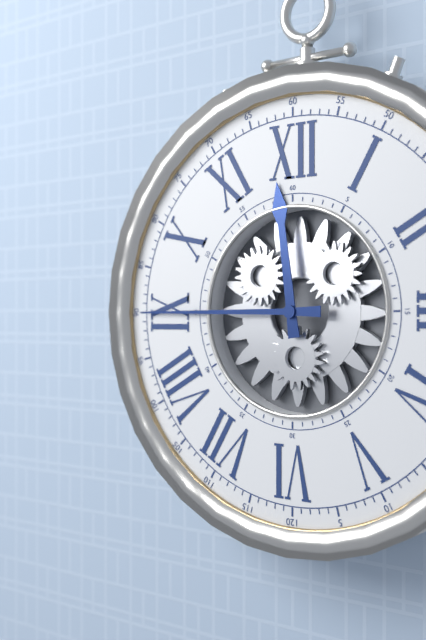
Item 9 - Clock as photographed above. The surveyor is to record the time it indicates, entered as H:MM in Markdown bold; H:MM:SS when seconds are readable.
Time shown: **11:45**
